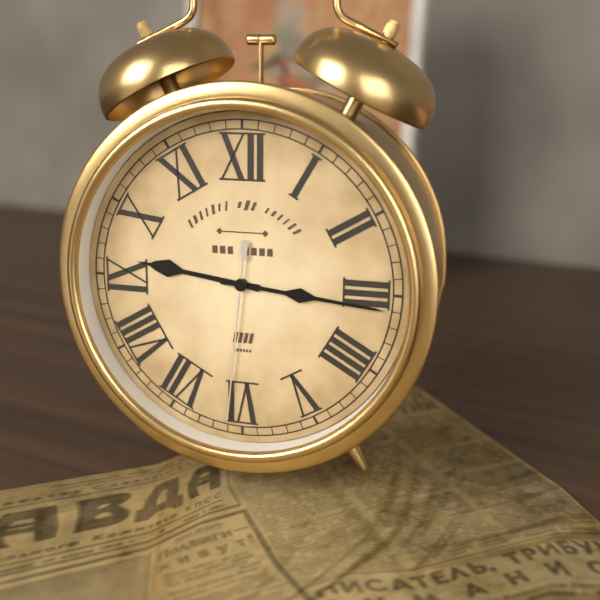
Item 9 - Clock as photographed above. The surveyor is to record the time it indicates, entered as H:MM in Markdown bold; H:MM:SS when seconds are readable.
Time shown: **9:16:31**
